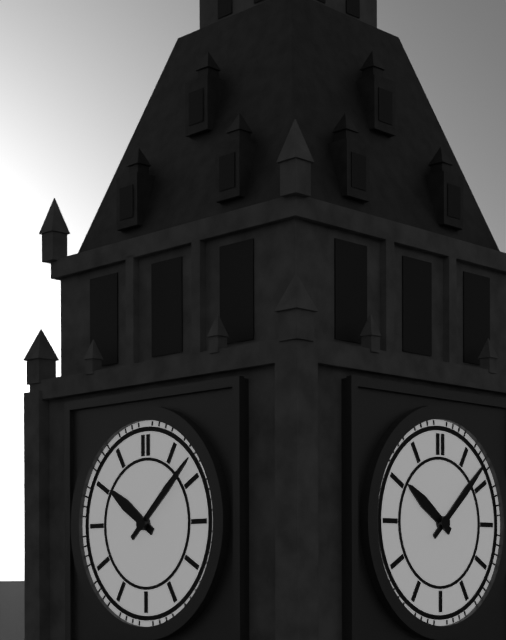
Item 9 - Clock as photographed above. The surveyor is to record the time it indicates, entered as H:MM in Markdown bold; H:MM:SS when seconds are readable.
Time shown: **10:08**
